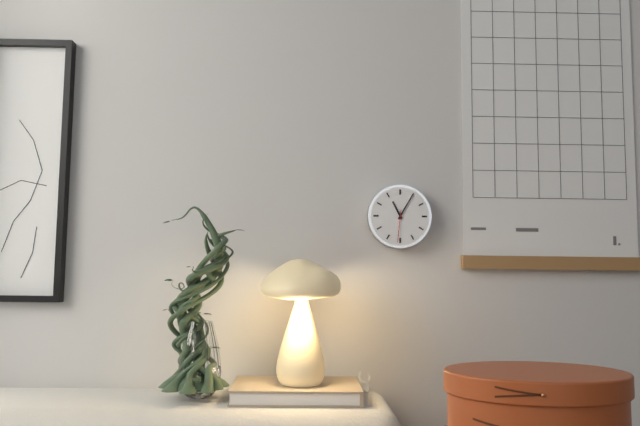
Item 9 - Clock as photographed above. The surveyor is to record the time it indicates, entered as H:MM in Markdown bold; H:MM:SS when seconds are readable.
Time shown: **11:05**
